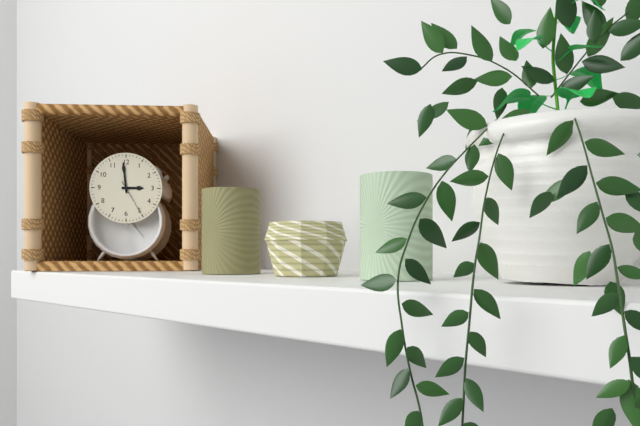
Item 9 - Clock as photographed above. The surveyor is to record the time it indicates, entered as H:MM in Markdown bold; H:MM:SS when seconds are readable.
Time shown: **2:59**
